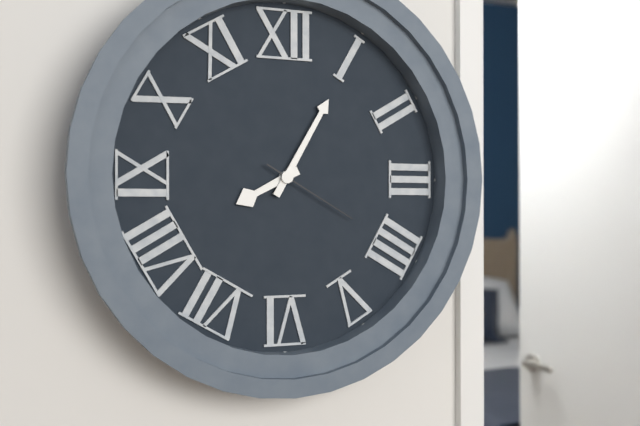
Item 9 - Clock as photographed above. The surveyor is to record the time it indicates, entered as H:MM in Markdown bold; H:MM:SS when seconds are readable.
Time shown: **8:05:20**
